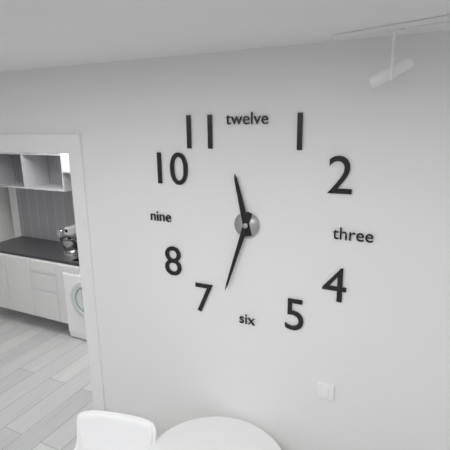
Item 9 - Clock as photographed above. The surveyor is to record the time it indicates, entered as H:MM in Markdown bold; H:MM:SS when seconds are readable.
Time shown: **11:33**
